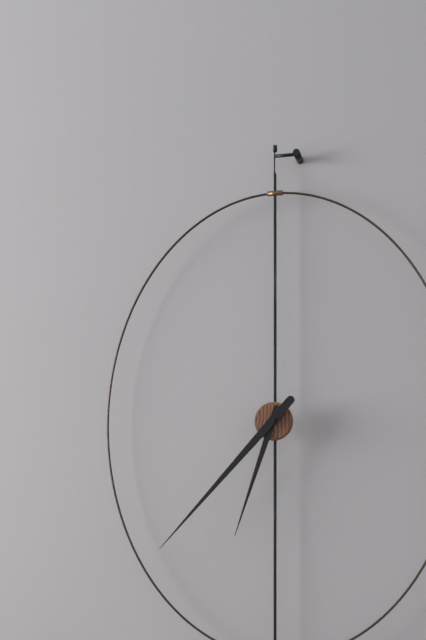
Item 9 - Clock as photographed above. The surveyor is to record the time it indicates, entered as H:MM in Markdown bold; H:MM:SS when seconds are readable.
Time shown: **6:37**
